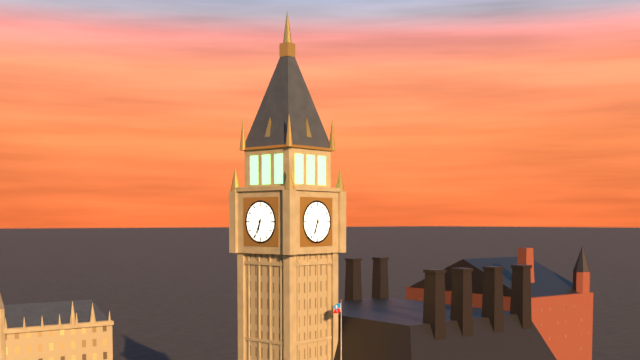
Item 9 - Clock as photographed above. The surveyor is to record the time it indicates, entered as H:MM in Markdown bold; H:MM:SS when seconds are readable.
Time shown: **6:34**
